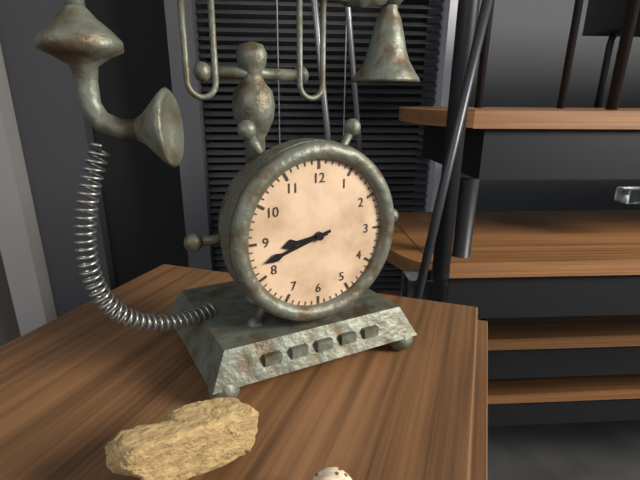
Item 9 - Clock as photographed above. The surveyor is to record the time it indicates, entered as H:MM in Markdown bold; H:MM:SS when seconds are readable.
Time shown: **8:42**
